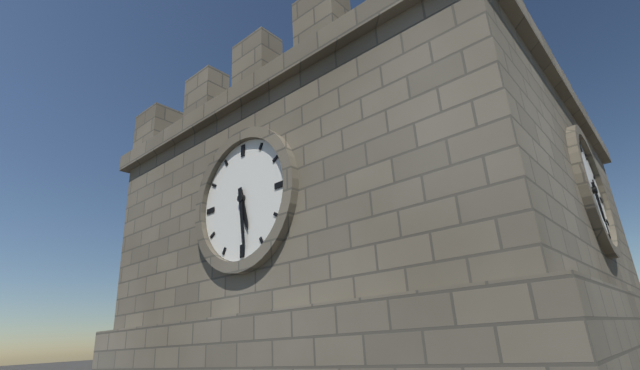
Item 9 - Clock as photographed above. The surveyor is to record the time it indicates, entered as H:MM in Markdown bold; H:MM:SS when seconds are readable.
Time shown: **5:29**
